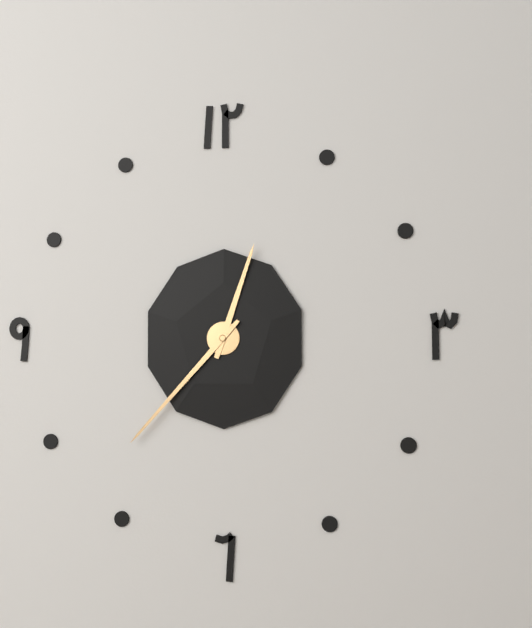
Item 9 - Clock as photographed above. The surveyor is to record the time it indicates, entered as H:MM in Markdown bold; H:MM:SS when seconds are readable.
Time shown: **12:37**
